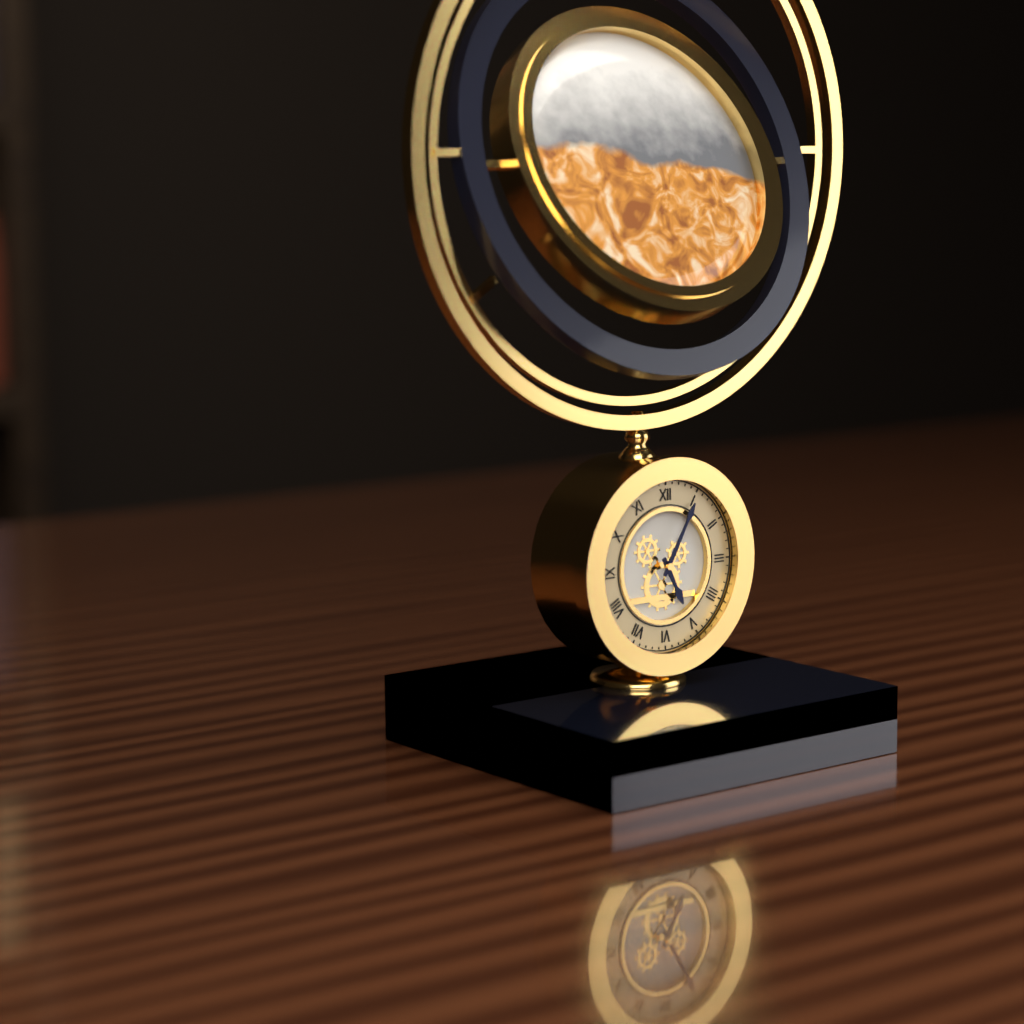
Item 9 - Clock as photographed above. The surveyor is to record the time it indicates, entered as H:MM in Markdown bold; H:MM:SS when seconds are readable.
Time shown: **5:05**
